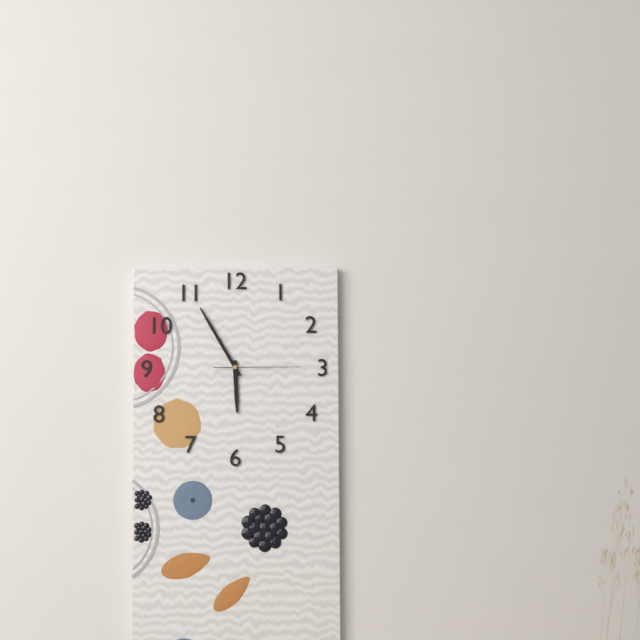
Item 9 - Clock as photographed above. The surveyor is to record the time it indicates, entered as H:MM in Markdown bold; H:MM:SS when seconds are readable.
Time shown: **5:55:15**
